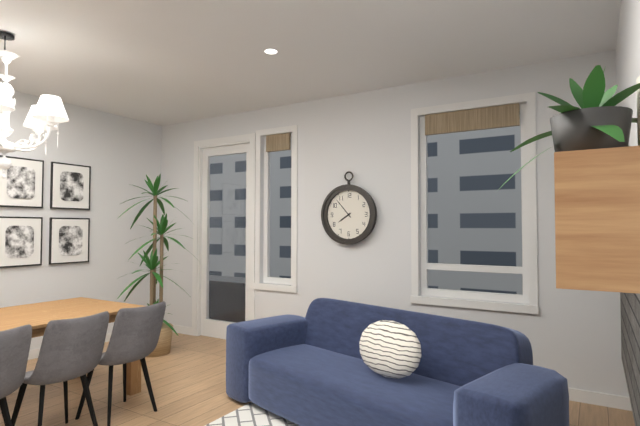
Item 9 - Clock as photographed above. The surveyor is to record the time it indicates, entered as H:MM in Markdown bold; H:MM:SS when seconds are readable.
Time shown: **7:53**
